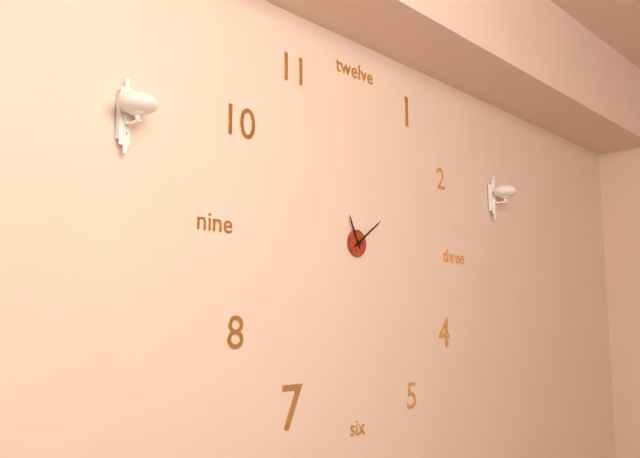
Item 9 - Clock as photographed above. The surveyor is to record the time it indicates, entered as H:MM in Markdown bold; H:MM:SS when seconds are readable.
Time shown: **11:09**
